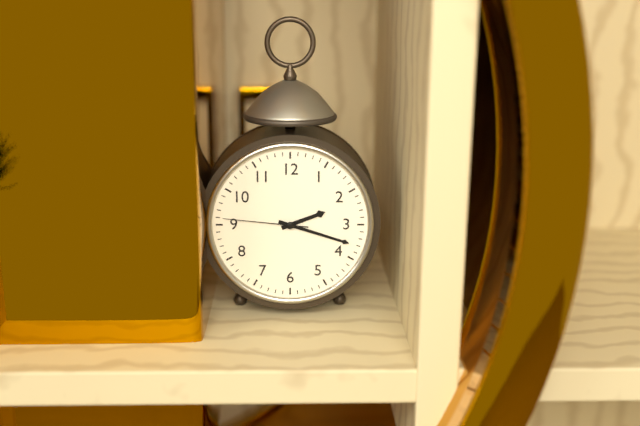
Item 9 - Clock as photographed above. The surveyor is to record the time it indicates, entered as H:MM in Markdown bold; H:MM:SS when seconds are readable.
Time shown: **2:18:46**
